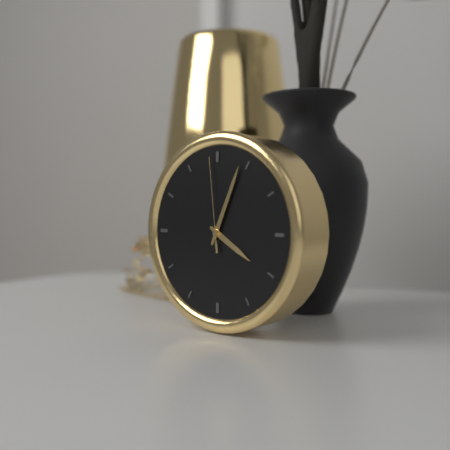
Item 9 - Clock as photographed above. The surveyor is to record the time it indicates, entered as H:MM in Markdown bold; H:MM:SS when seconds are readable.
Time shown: **4:04:59**
